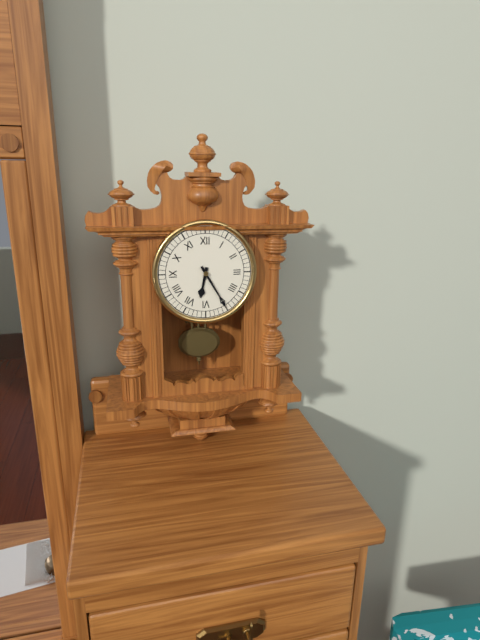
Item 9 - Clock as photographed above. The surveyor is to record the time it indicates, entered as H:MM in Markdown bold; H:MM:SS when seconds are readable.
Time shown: **6:25**
